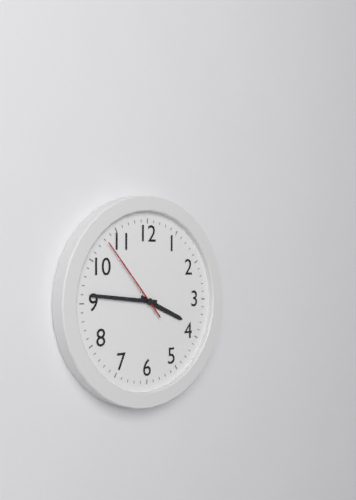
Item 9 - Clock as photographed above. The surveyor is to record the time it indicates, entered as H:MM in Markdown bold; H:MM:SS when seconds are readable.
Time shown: **3:46:53**
